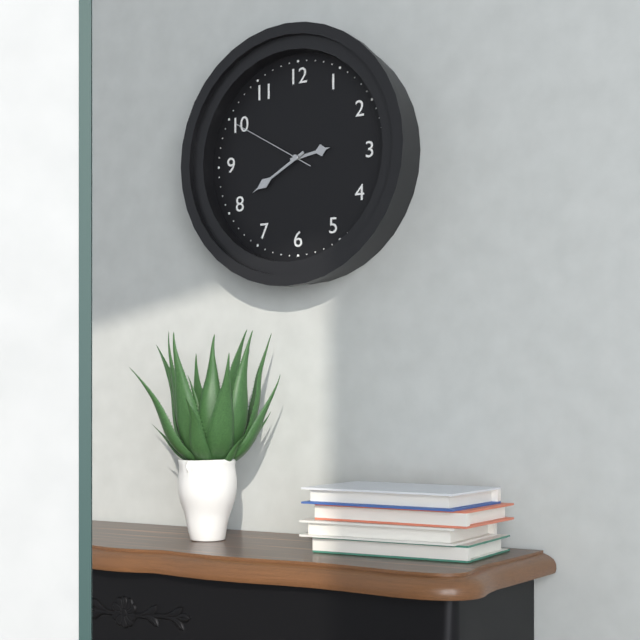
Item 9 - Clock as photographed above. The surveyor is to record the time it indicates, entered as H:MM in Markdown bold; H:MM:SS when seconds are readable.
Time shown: **2:40:50**
